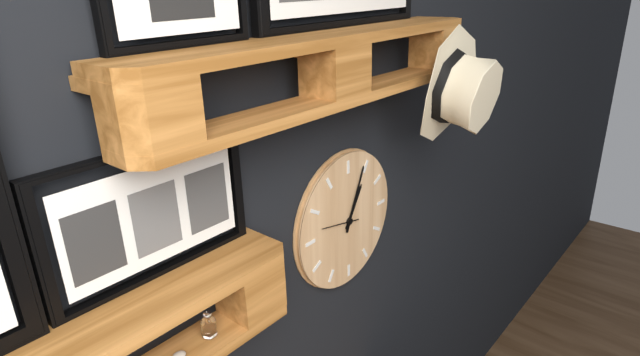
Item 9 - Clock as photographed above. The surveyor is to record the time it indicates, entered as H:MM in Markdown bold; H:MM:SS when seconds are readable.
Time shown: **1:04**
